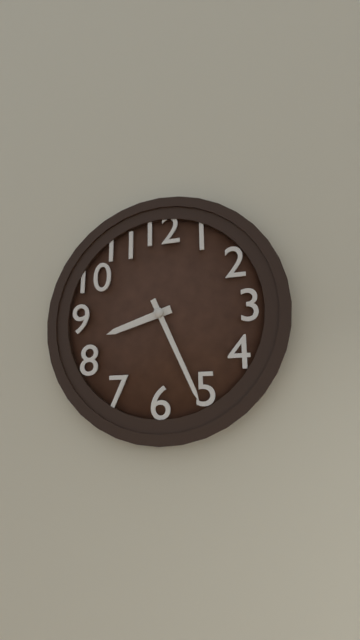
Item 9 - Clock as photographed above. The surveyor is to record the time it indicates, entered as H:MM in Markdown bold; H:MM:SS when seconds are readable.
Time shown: **8:26**
